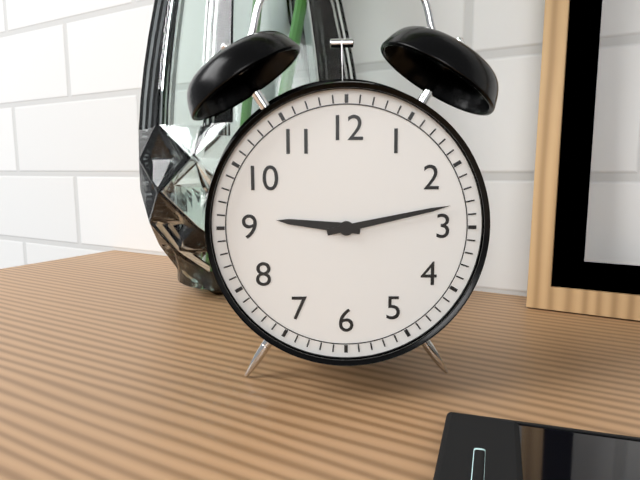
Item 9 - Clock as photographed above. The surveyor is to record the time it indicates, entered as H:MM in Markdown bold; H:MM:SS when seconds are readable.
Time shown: **9:13**
